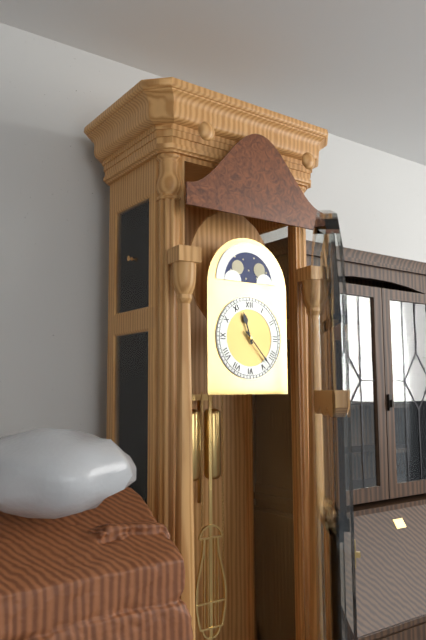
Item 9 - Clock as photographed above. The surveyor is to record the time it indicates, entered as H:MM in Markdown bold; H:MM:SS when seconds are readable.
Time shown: **11:23**
